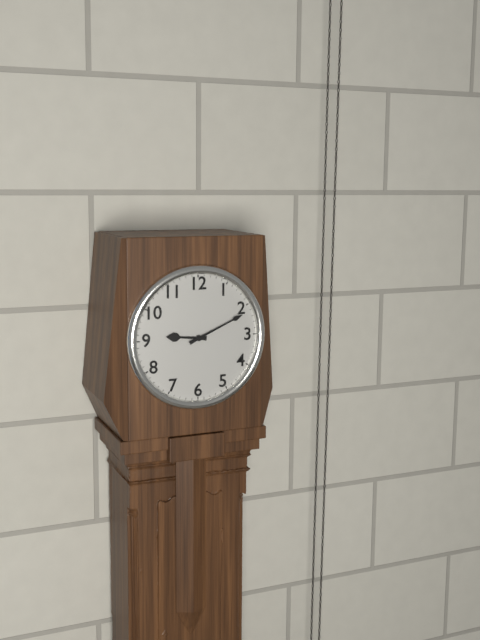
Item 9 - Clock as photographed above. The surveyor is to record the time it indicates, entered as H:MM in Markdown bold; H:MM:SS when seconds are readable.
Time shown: **9:11**
